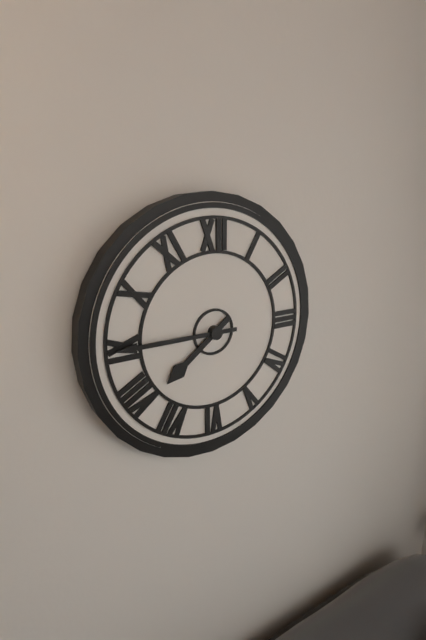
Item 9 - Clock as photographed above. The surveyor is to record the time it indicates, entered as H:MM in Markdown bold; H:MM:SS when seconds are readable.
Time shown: **7:45**
